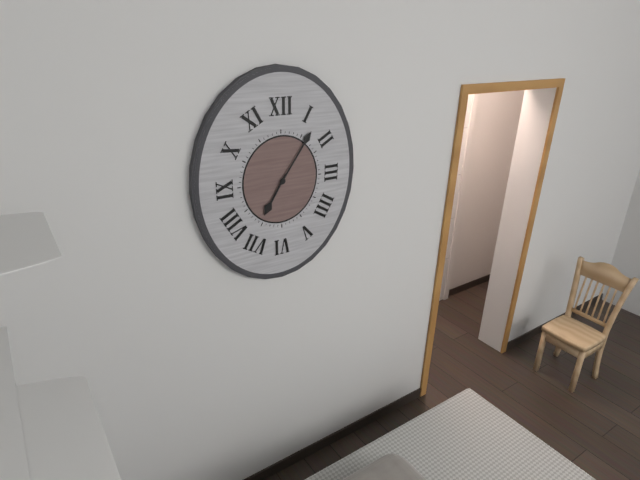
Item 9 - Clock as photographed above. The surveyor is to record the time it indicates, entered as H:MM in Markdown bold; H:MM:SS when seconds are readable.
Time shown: **7:06**
